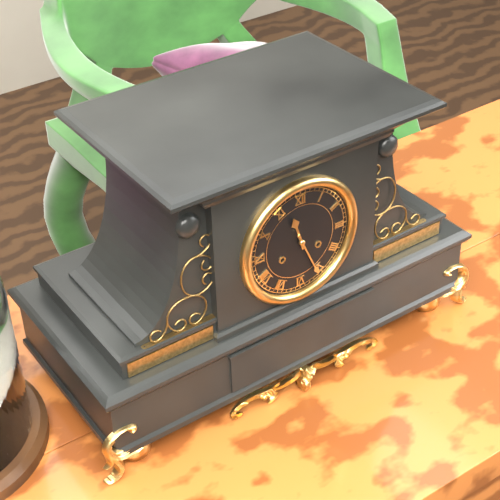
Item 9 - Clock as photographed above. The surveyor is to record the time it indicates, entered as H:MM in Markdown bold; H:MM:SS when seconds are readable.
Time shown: **11:26**
